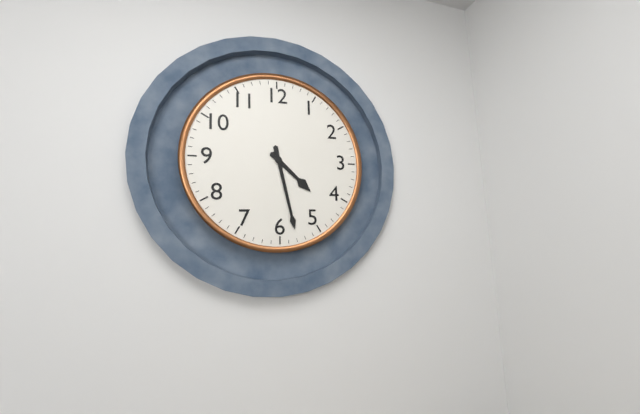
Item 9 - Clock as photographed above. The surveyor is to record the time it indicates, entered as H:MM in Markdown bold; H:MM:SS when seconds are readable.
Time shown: **4:28**
